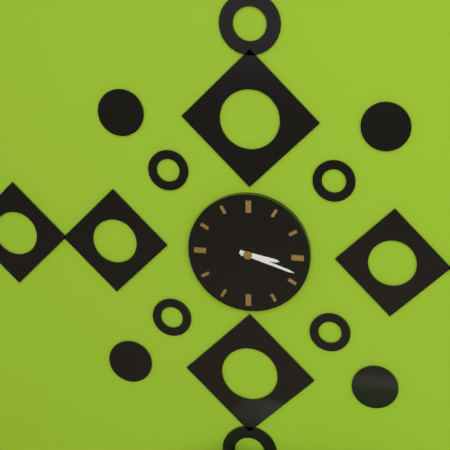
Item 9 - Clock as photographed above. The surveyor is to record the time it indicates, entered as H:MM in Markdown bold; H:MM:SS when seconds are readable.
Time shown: **3:18**
